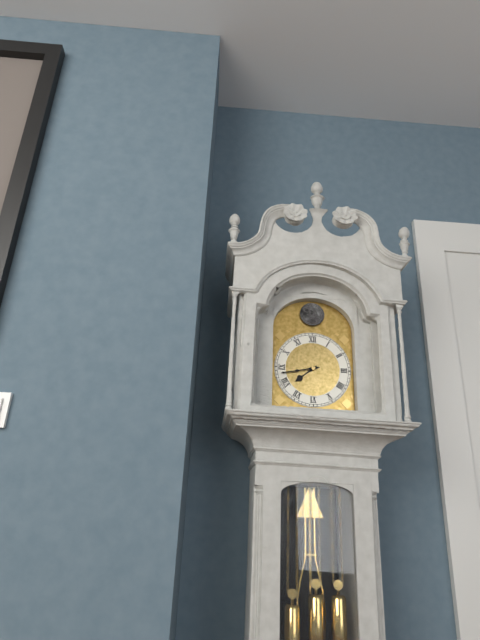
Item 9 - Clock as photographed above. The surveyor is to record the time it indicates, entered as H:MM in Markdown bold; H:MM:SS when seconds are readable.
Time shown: **7:43**
